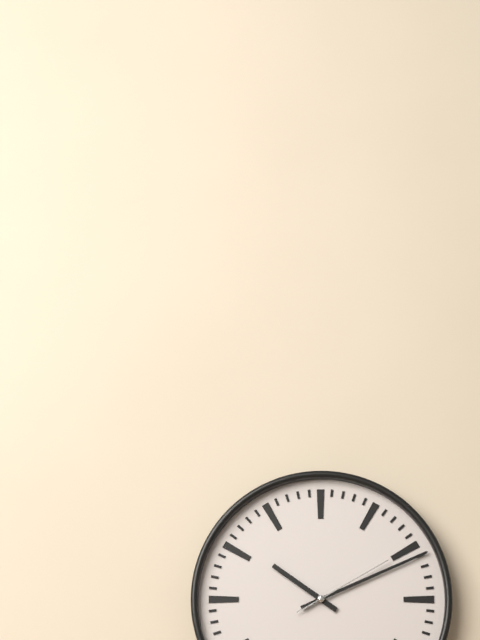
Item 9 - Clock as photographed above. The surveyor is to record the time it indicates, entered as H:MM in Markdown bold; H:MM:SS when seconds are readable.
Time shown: **10:11:10**
